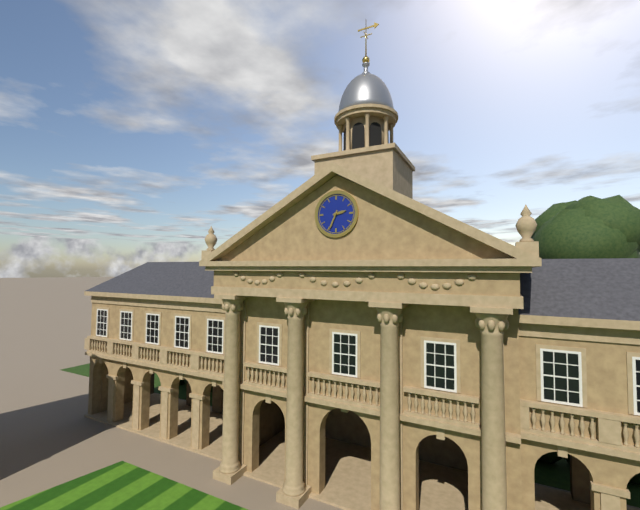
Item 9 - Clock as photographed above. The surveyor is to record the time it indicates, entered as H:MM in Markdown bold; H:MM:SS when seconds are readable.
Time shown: **2:34**
